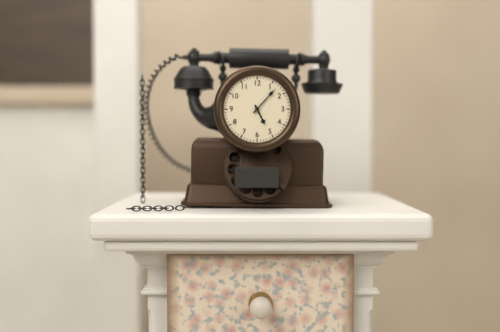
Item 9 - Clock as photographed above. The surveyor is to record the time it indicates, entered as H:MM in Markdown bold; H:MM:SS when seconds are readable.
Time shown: **5:07**
